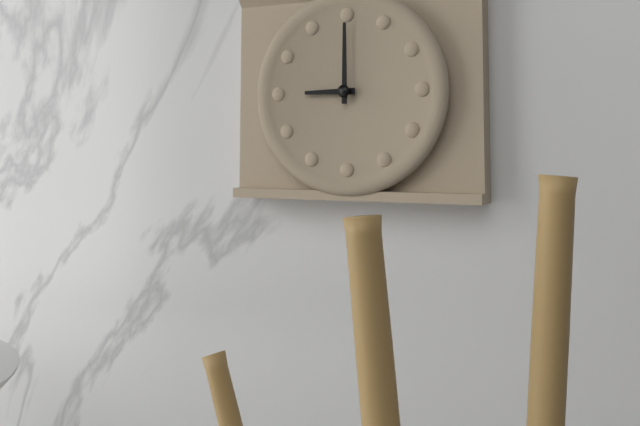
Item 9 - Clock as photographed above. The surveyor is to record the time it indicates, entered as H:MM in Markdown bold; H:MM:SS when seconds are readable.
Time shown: **9:00**
